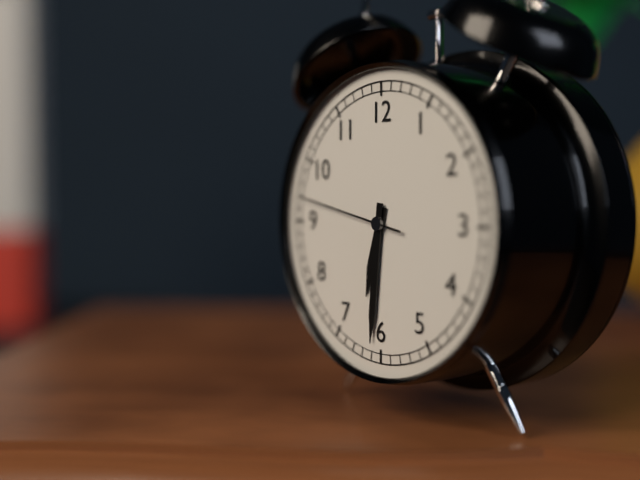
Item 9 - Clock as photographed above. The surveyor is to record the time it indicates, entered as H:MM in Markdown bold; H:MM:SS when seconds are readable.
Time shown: **6:31:47**
